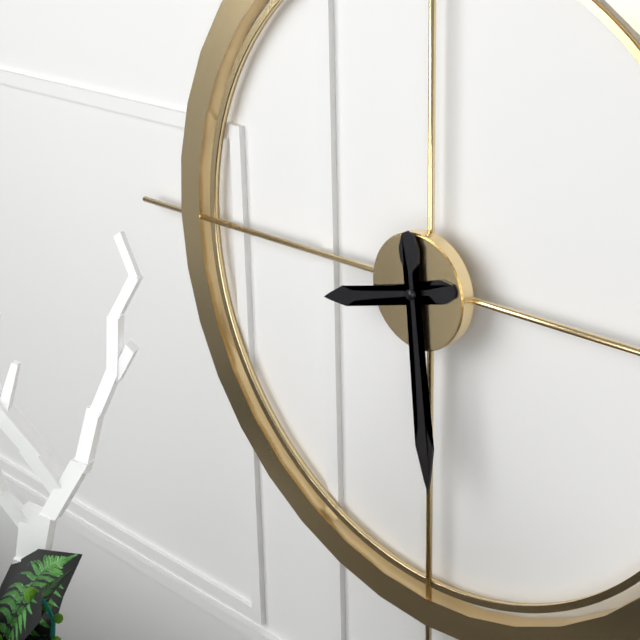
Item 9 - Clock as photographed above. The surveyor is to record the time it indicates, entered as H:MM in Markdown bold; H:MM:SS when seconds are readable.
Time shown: **8:29**
